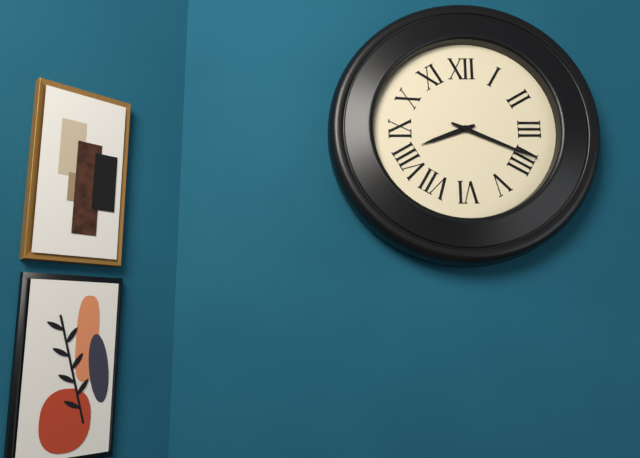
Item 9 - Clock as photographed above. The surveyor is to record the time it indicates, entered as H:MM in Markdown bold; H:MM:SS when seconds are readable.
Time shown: **8:19**
